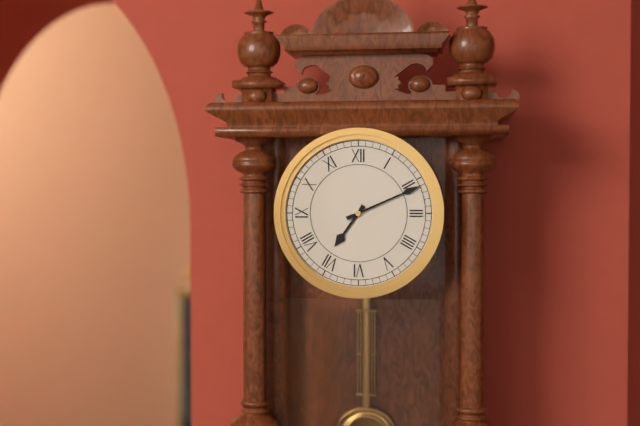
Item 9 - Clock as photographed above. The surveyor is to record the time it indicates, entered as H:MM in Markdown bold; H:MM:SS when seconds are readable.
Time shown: **7:11**
